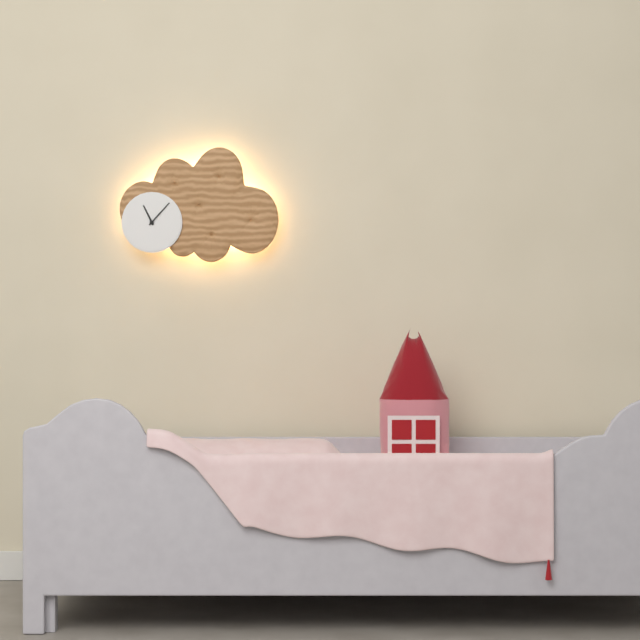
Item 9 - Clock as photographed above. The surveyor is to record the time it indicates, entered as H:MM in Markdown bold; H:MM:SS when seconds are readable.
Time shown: **11:07**
